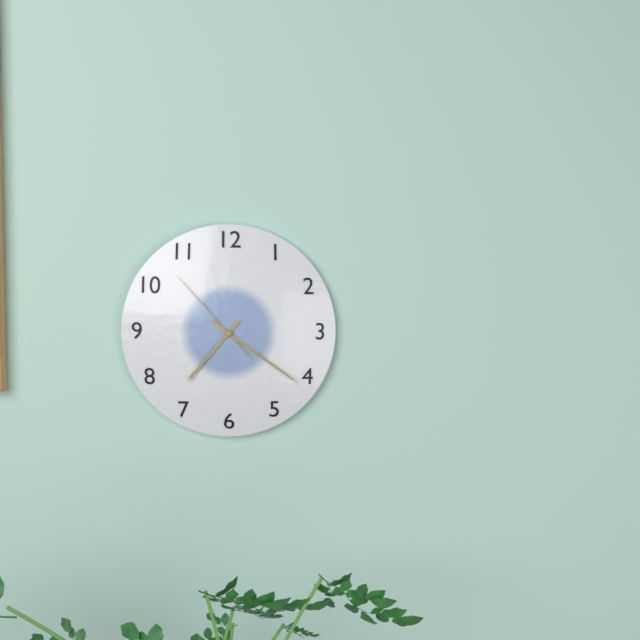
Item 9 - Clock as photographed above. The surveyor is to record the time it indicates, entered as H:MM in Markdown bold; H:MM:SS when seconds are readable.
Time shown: **7:21:53**
